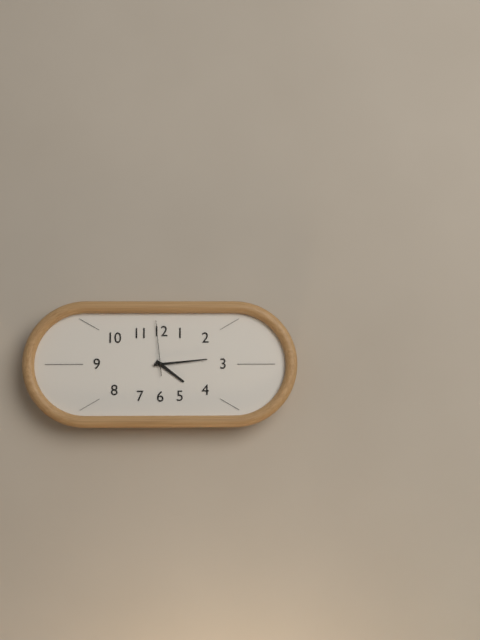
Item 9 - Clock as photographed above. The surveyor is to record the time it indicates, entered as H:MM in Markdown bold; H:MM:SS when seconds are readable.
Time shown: **4:14:59**
